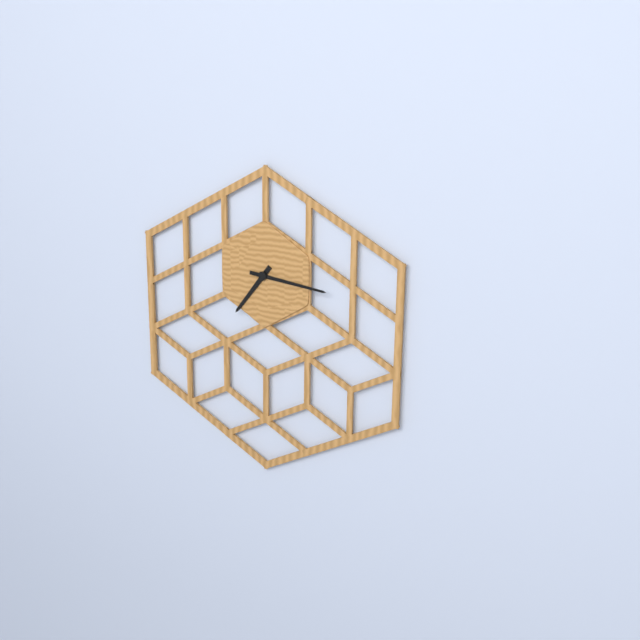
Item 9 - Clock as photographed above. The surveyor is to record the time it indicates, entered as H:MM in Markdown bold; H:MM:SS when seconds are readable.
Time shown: **7:16**
